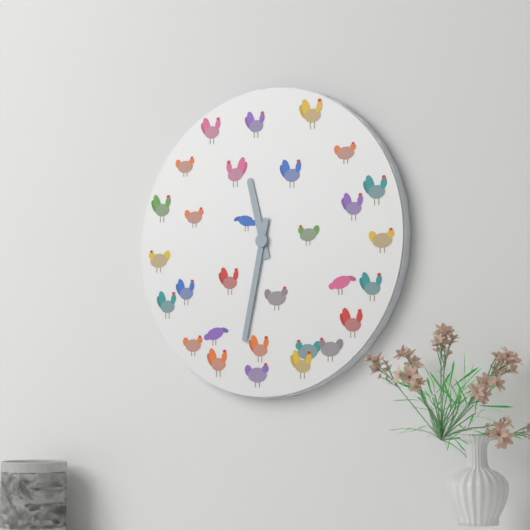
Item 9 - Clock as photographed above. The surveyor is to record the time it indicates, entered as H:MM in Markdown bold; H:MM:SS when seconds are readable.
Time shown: **11:32**
